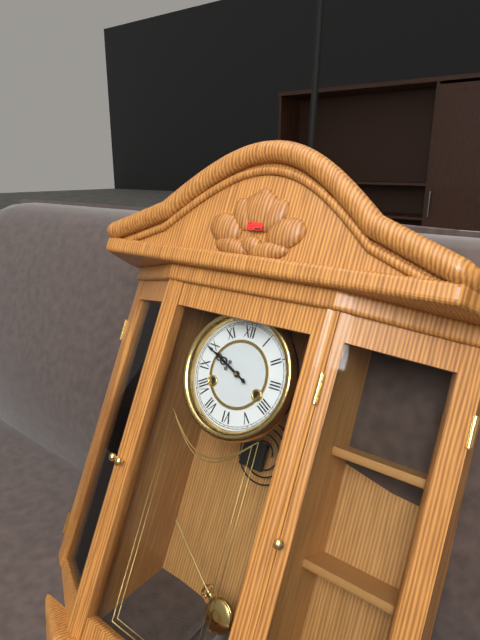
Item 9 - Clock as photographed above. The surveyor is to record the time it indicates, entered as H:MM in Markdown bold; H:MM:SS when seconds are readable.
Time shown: **9:49**
